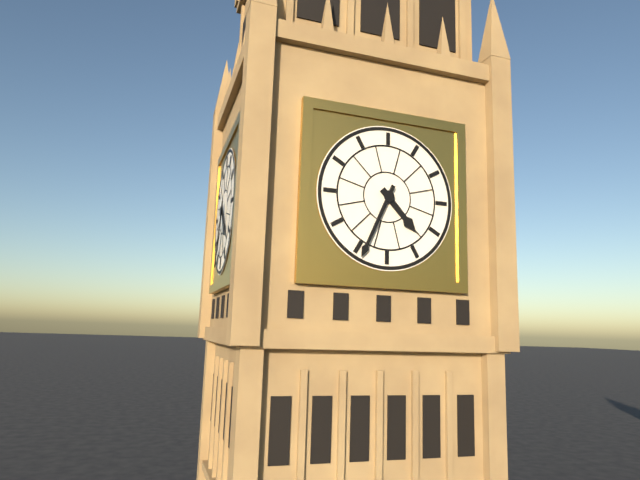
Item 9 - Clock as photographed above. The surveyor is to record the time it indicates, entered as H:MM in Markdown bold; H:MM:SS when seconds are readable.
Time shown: **4:34**
